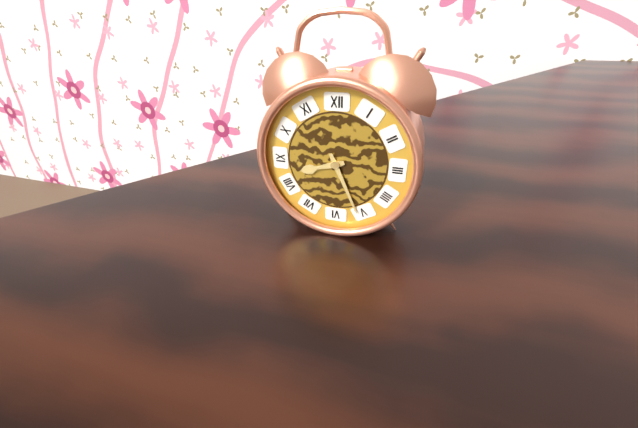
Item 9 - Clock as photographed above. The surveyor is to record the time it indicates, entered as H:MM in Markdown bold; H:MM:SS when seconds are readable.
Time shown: **8:26**
